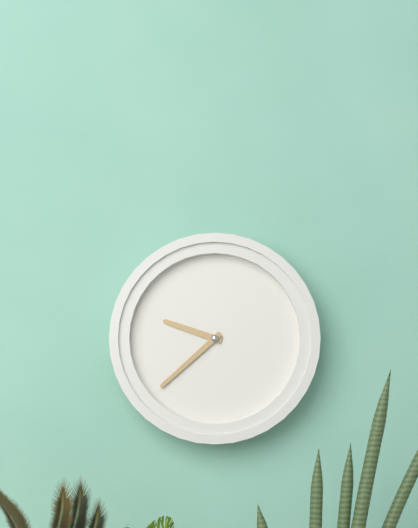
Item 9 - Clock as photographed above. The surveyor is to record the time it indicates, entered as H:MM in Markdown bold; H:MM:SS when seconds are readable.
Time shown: **9:38**
